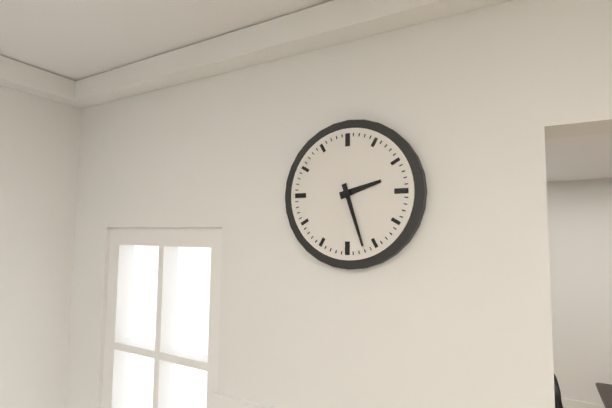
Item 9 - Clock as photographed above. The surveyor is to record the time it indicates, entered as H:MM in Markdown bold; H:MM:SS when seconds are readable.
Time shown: **2:27**
